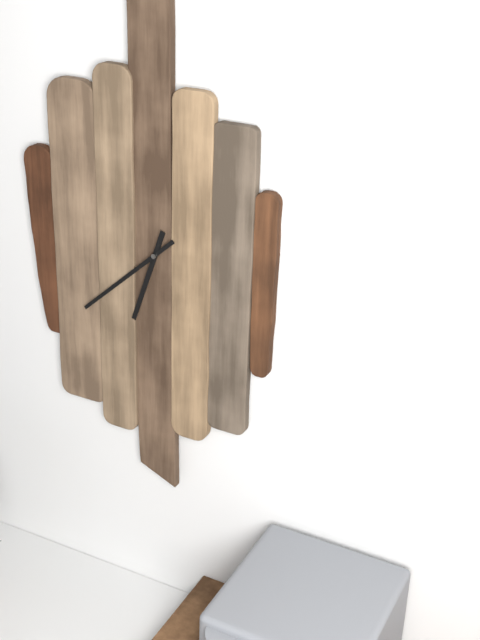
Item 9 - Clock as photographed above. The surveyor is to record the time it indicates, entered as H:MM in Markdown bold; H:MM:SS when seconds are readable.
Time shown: **6:38**
